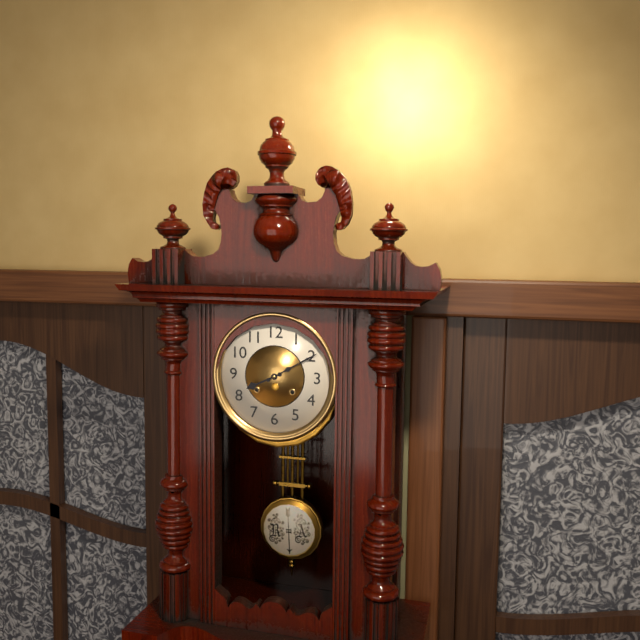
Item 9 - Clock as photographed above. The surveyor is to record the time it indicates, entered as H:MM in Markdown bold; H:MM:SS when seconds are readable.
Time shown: **8:10**
